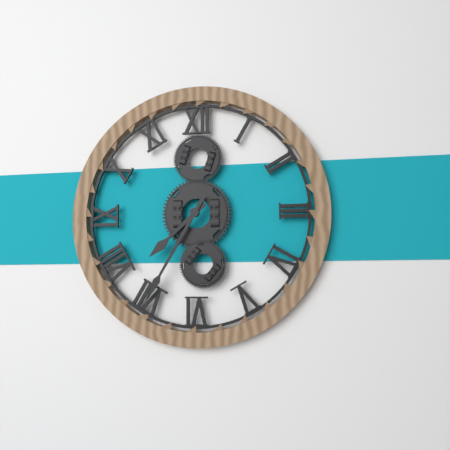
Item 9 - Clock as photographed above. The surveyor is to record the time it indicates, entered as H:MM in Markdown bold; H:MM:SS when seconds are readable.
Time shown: **7:35**
